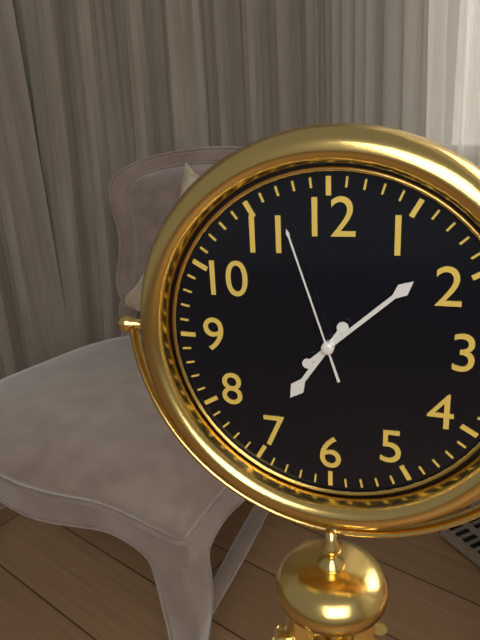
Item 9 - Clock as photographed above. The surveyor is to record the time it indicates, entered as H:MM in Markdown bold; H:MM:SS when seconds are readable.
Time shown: **7:08:57**
